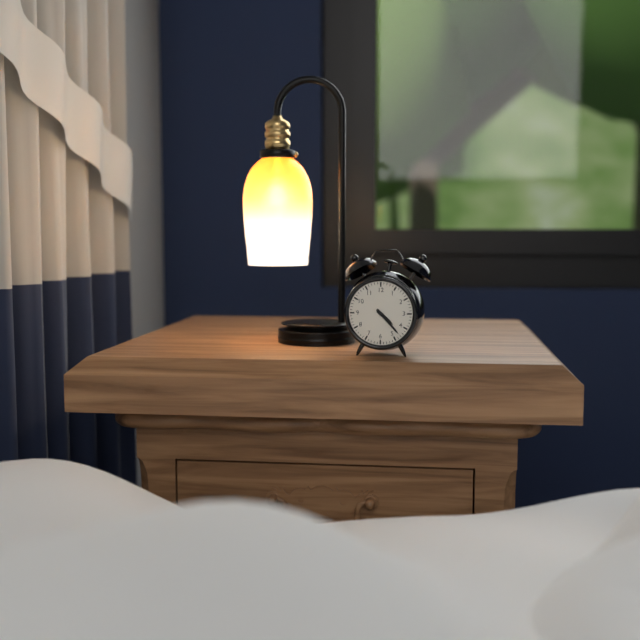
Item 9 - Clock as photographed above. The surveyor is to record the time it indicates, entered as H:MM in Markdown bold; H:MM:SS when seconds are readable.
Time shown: **4:23**
